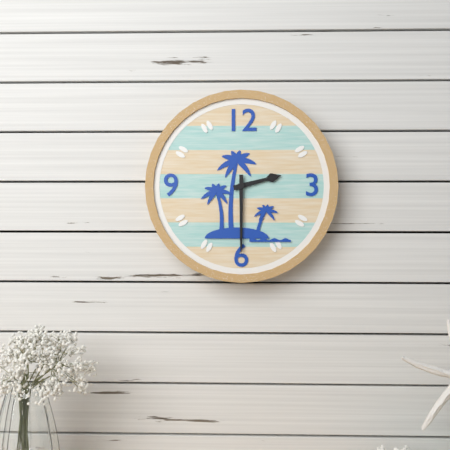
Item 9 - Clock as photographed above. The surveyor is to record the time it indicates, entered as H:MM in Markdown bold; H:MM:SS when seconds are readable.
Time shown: **2:30**
